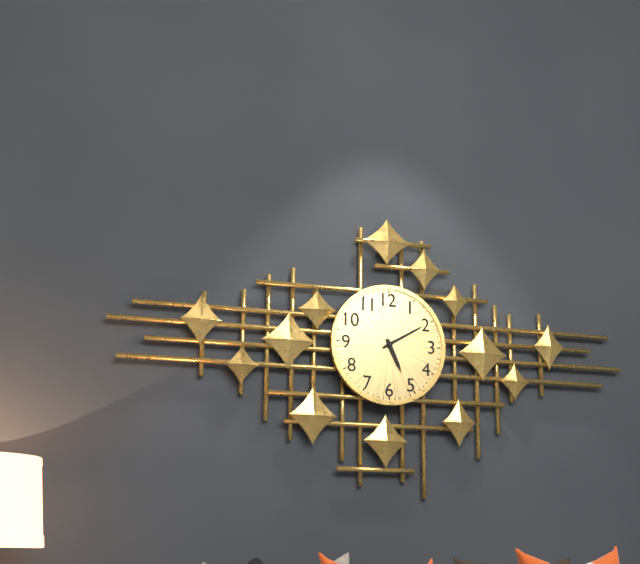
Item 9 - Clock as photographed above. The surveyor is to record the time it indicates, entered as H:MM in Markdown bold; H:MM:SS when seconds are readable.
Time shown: **5:10**
